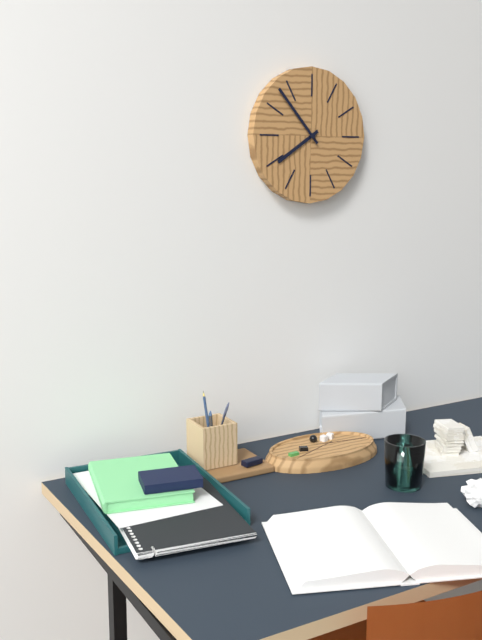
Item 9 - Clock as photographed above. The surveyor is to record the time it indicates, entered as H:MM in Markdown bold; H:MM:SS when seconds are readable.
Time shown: **7:53**
